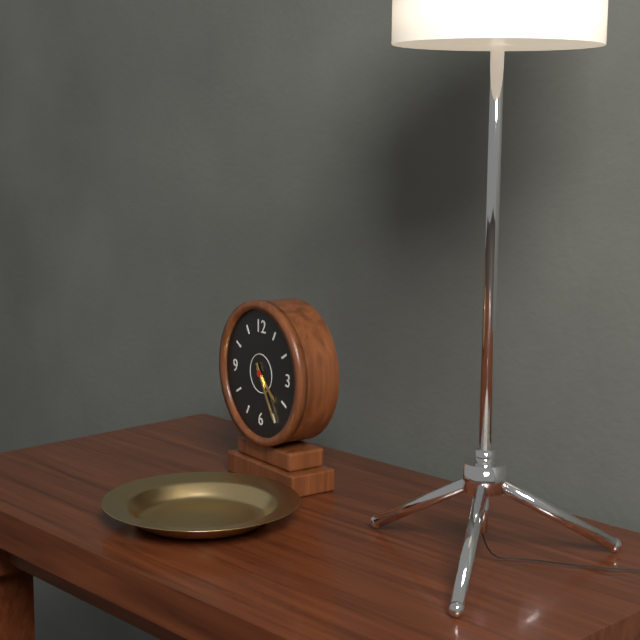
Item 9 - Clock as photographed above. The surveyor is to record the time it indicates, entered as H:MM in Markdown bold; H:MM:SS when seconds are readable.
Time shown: **4:25**
